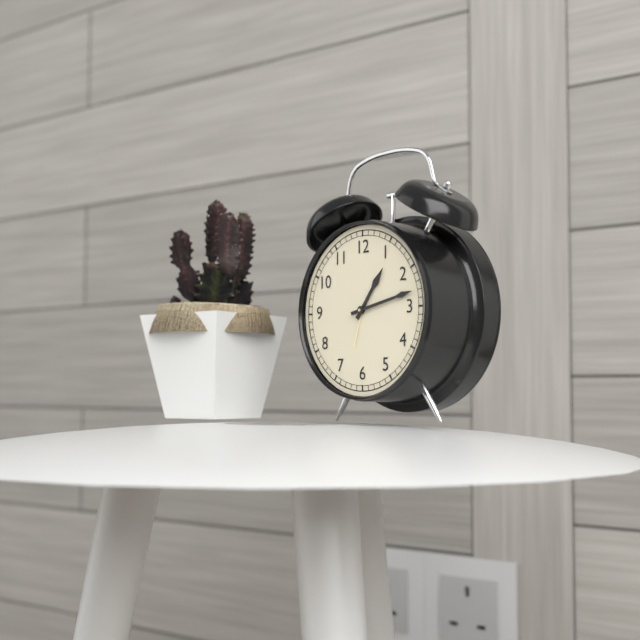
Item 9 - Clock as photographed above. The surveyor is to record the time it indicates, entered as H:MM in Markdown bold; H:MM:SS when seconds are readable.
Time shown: **1:13**
